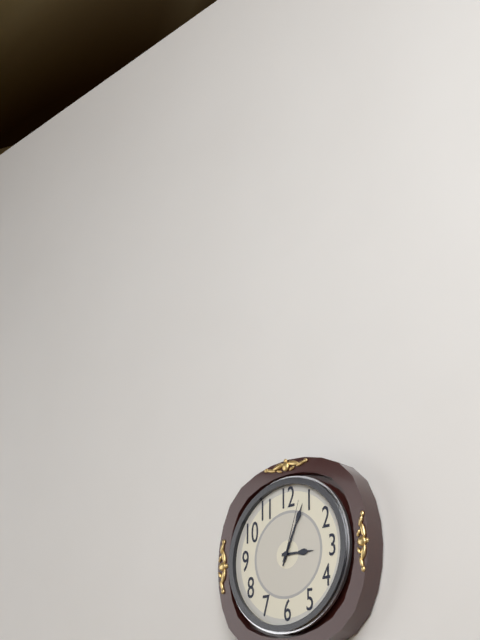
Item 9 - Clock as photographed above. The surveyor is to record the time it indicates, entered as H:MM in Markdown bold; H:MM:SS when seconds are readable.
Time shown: **3:04:03**
